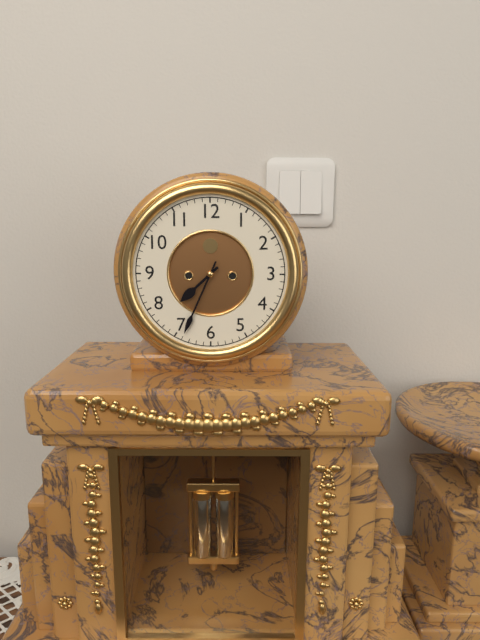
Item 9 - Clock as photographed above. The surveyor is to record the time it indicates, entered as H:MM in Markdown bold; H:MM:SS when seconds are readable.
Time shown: **7:34**
